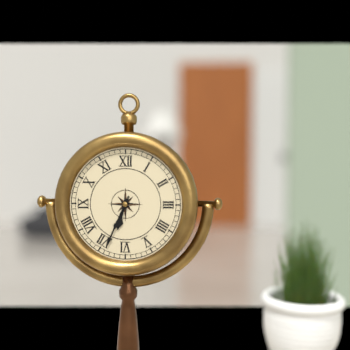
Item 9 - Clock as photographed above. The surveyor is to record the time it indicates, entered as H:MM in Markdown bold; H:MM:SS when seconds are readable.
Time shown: **6:34**
